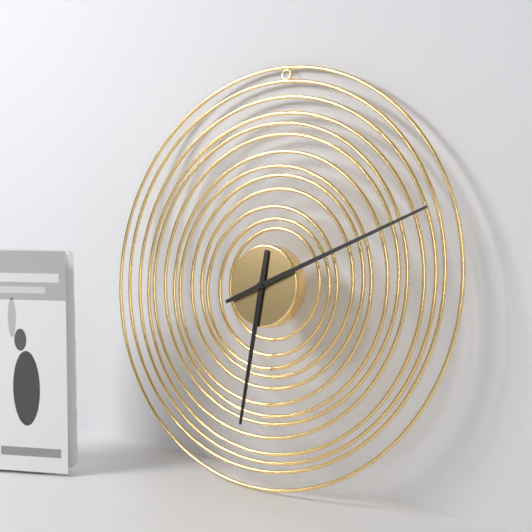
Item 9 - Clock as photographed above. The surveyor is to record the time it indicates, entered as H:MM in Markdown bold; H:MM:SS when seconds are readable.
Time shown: **6:11**
